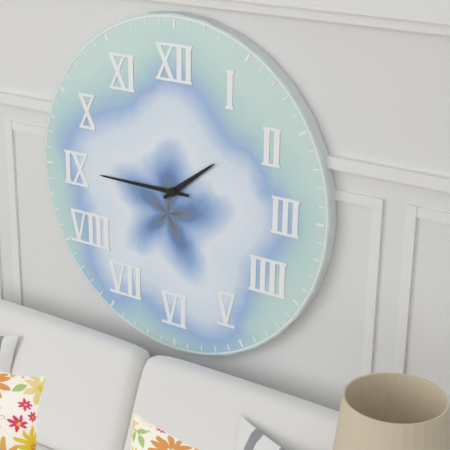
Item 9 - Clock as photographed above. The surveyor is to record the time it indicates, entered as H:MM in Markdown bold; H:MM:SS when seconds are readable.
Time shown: **1:45**
